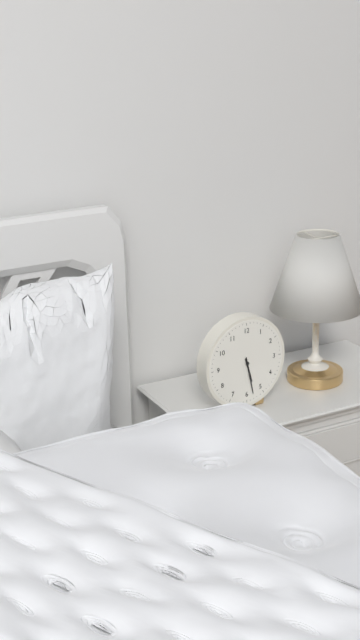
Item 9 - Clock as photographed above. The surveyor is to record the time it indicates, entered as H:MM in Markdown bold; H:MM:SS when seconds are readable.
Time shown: **5:28**
